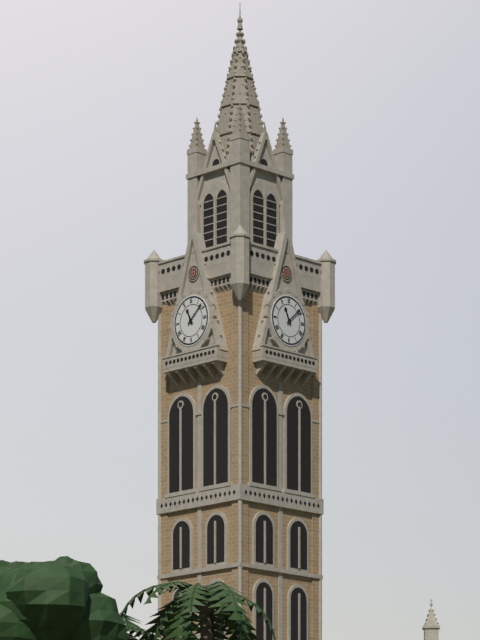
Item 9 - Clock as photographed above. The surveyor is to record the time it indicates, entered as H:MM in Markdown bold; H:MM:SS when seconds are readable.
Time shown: **11:08**
